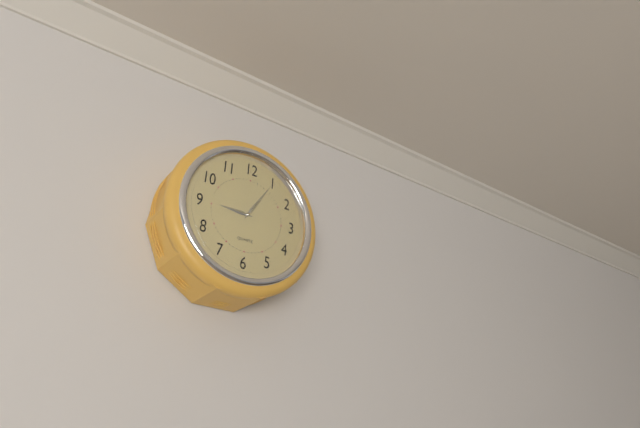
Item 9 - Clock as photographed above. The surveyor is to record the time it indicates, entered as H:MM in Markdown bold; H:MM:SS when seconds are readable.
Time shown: **9:05**
